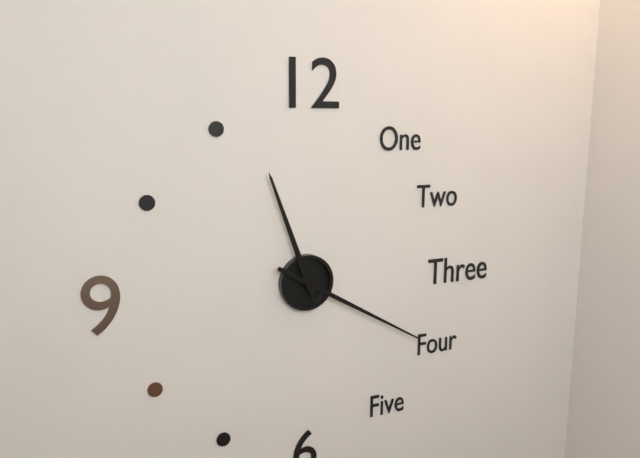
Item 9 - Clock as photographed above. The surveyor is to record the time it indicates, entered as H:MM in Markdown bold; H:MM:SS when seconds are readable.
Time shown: **11:20**
